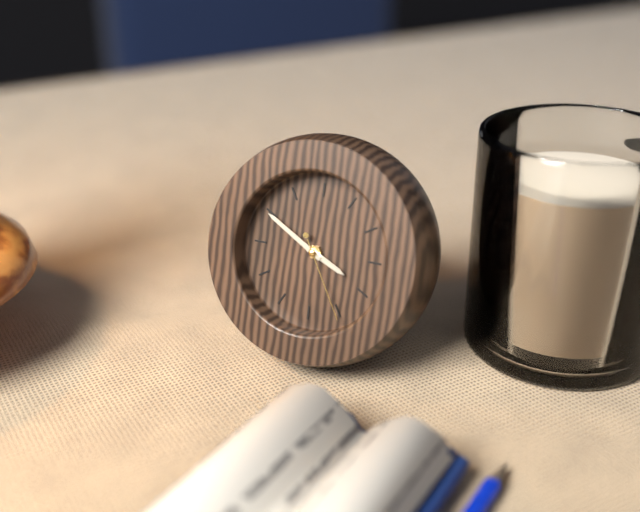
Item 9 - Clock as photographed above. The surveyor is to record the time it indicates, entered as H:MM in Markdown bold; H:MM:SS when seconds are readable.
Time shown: **3:50:25**
